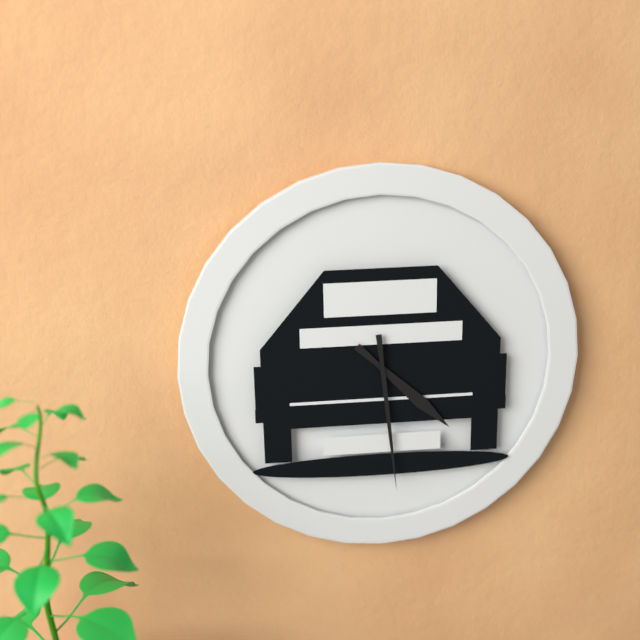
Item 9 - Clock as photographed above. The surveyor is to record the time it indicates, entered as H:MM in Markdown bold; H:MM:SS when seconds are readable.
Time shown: **4:29**
